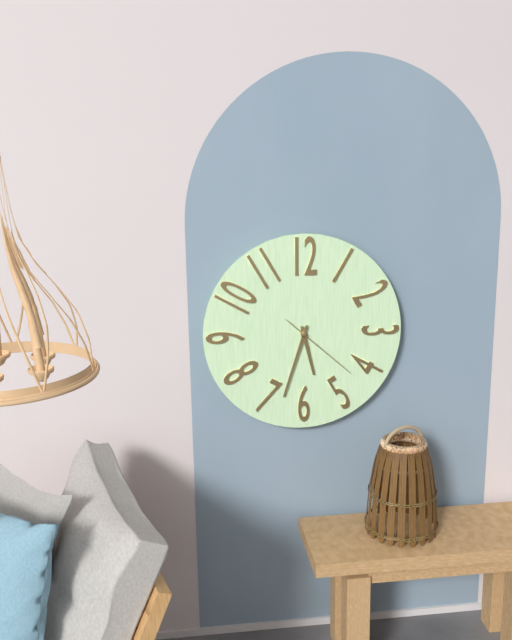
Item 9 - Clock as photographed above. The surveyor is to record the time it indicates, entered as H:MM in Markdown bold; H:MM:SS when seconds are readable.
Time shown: **5:33:22**
